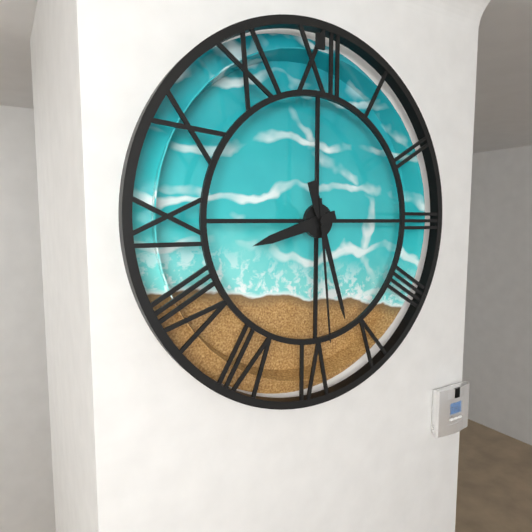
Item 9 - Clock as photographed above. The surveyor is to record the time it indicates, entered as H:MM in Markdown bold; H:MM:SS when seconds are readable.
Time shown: **8:27:29**
